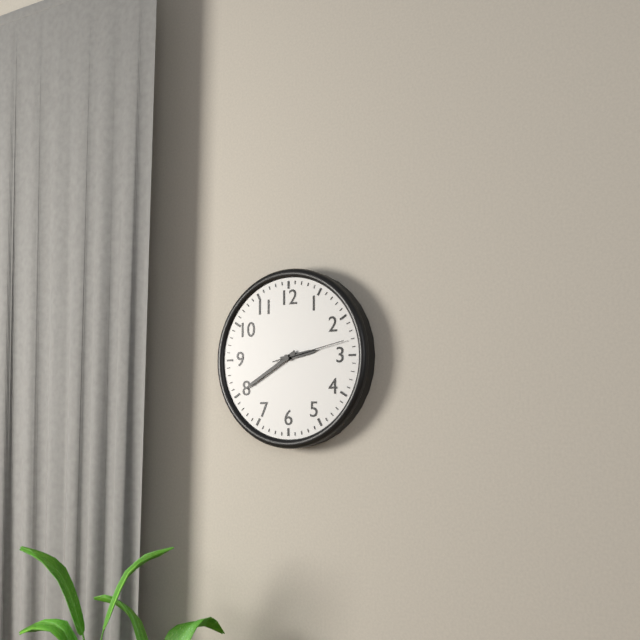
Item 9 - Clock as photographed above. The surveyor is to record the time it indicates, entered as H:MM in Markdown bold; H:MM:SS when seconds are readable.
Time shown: **2:40:13**
